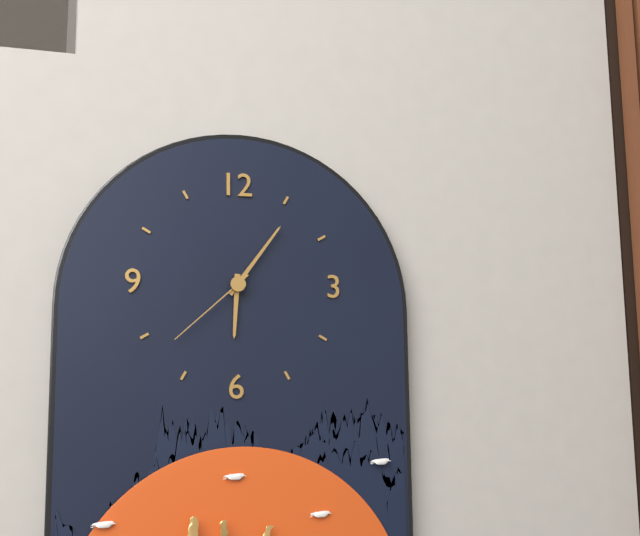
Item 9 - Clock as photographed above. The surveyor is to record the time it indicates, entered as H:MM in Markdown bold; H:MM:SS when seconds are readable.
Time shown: **6:06:38**
